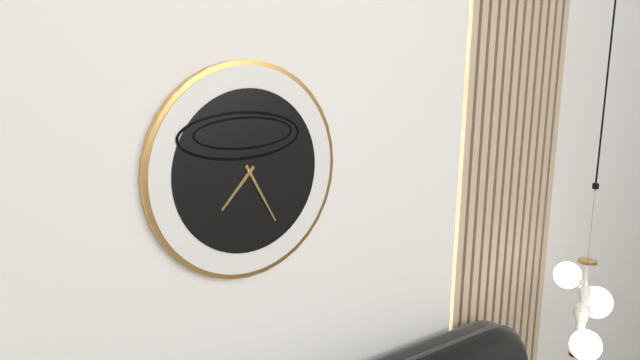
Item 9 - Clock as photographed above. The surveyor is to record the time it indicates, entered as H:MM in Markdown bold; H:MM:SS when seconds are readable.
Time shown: **7:25**
